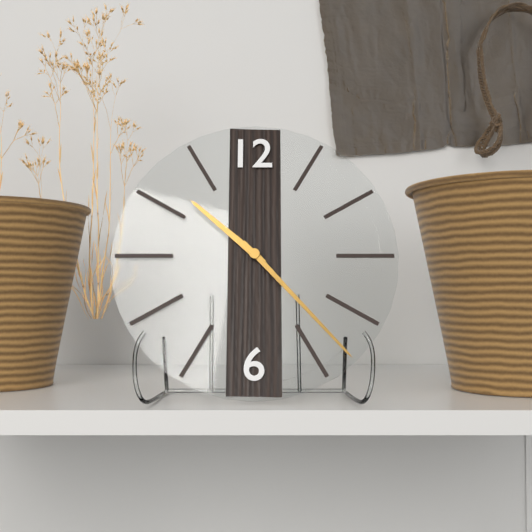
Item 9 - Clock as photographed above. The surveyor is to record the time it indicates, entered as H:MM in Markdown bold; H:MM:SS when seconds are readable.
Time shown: **10:23**
